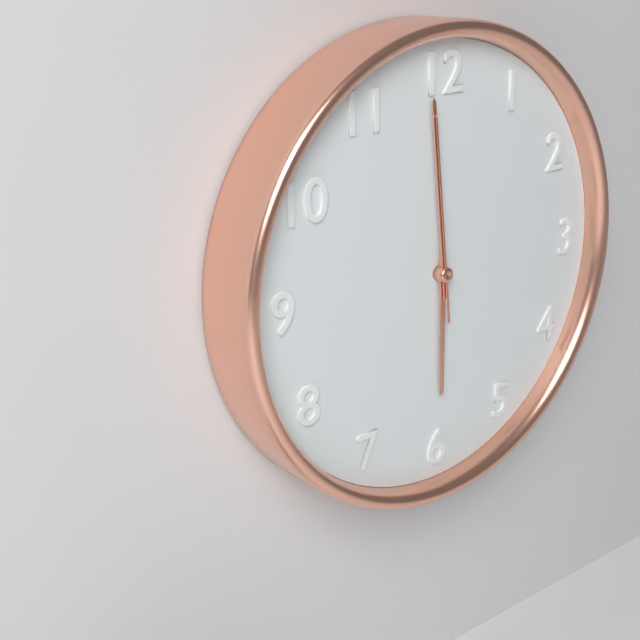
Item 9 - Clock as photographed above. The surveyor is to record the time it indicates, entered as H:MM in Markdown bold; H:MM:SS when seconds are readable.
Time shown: **5:59:59**
